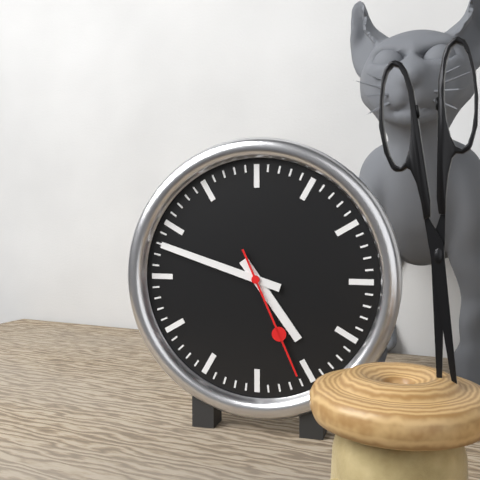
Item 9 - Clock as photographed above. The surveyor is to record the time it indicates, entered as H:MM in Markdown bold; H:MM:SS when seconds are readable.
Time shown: **4:48:26**
